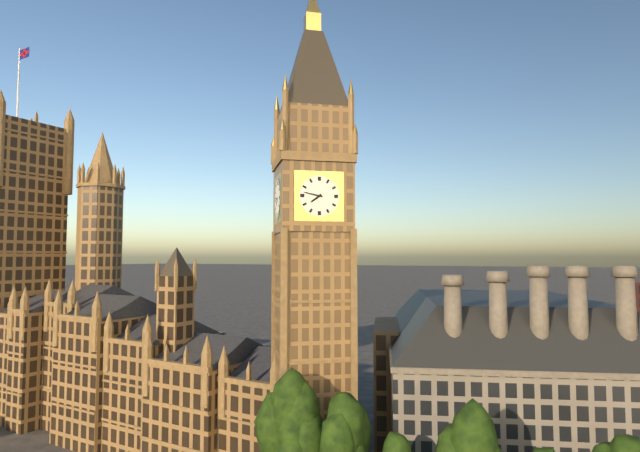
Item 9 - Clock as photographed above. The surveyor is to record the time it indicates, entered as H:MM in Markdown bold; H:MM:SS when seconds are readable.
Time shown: **7:47**
